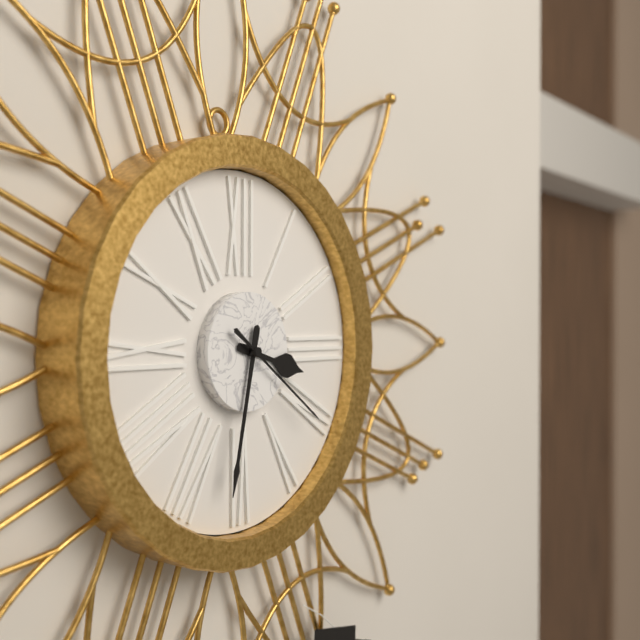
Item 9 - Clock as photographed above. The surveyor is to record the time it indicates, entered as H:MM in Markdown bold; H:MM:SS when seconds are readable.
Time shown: **3:32:21**
